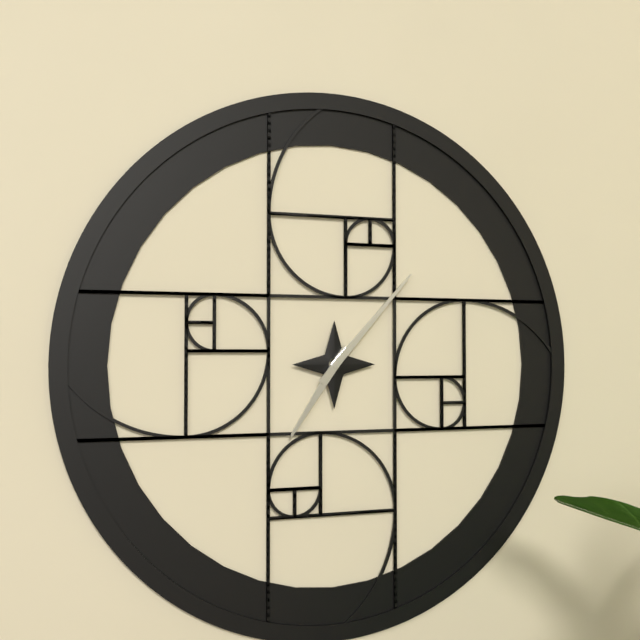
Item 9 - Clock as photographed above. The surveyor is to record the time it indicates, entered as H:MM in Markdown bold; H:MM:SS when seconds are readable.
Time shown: **7:07**
